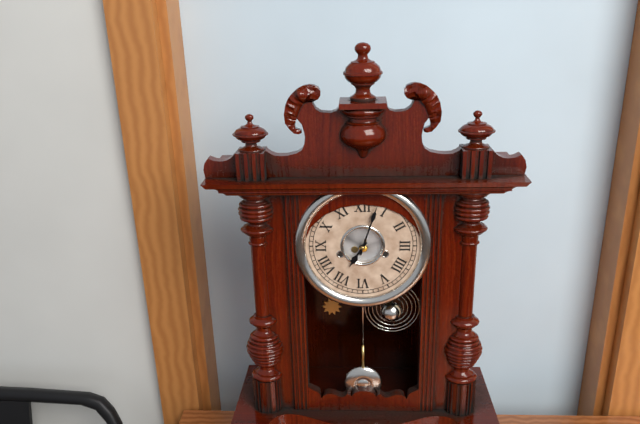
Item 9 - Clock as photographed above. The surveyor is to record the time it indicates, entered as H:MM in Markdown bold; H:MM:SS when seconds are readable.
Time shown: **7:03**
